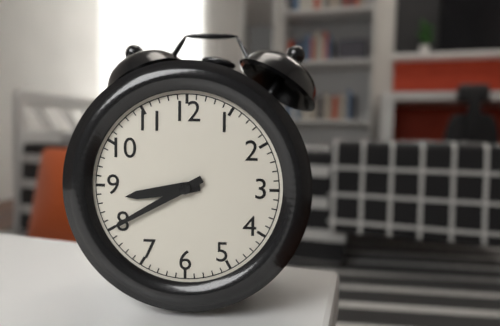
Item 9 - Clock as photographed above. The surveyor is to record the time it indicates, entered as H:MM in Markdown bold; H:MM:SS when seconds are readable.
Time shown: **8:40**
